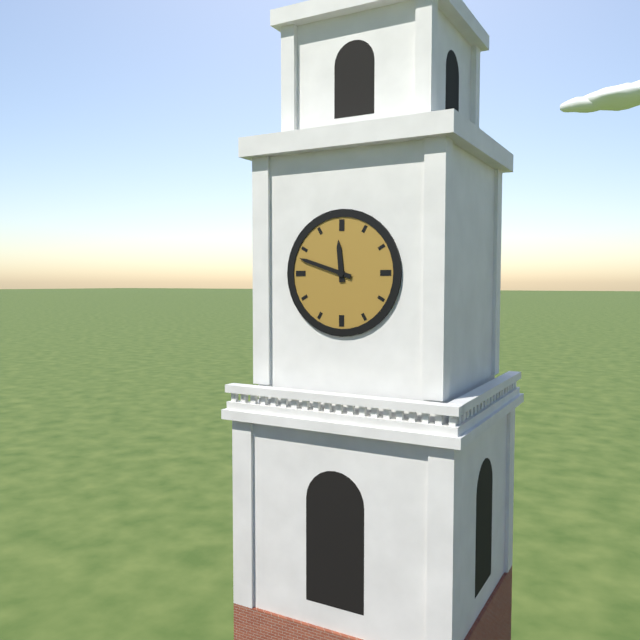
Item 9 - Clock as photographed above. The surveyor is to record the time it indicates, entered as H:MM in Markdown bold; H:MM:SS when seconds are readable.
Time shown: **11:48**
